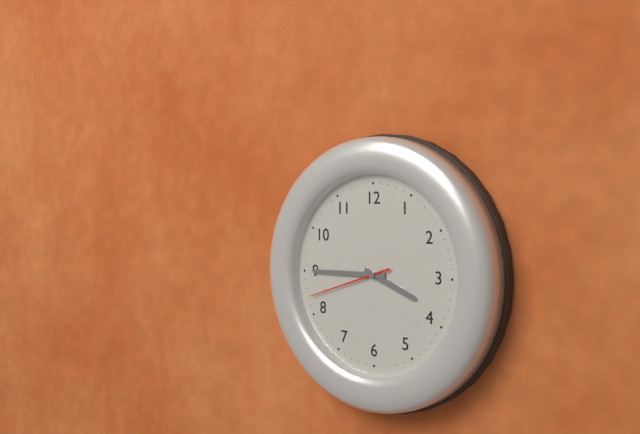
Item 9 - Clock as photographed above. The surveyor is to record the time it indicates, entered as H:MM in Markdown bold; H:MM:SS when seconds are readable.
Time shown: **3:45:42**
